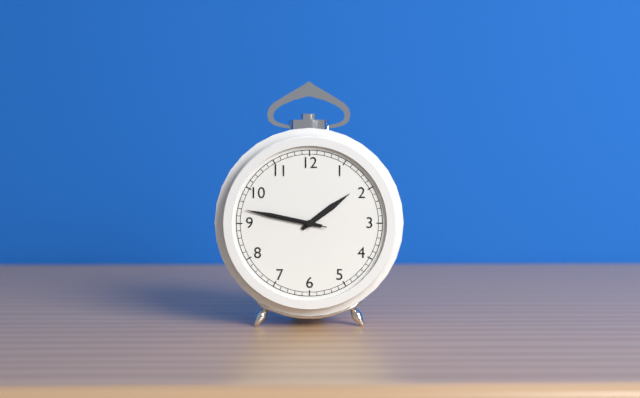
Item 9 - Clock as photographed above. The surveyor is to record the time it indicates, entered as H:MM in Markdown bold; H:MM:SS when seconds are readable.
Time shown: **1:47:47**
